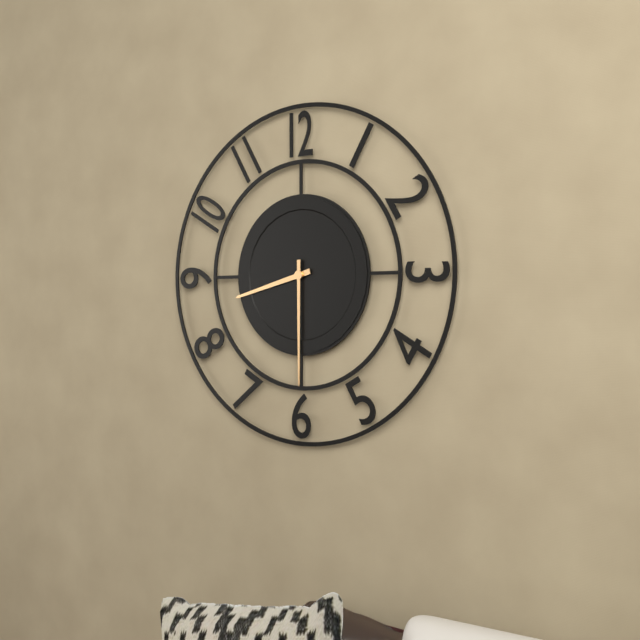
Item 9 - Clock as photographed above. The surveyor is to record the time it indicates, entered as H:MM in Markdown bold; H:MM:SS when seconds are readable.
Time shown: **8:30**
